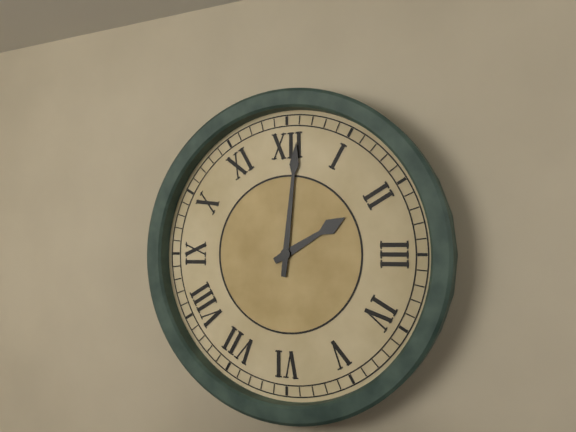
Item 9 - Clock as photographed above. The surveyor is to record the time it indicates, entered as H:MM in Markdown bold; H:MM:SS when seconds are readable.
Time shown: **2:01**
